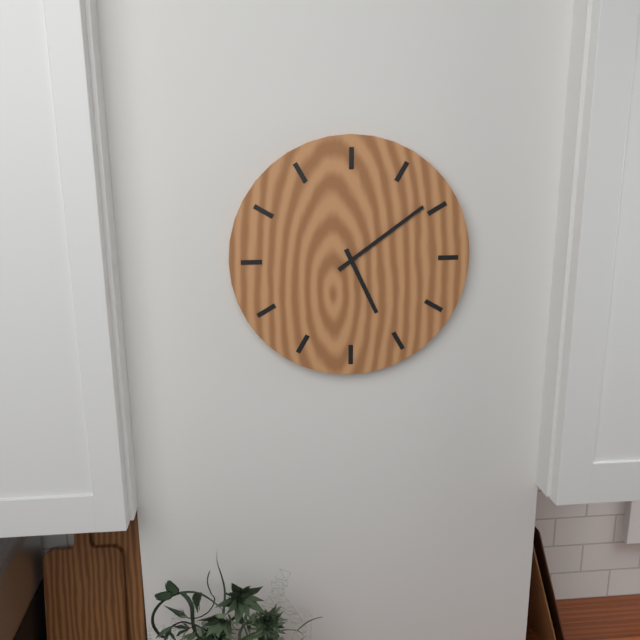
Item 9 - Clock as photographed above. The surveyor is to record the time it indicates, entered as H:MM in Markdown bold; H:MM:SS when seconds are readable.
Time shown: **5:09**
